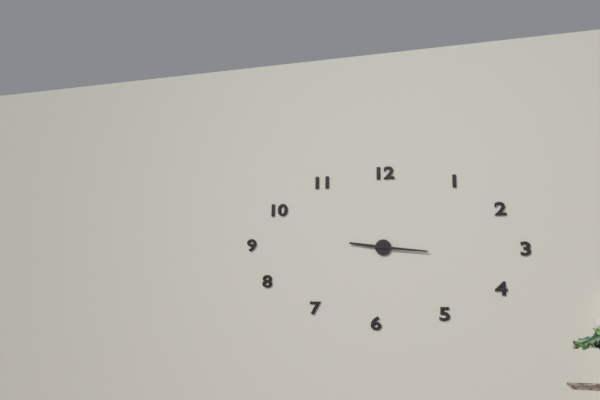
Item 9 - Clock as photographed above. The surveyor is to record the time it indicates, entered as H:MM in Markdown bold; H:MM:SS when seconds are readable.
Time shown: **9:16**
